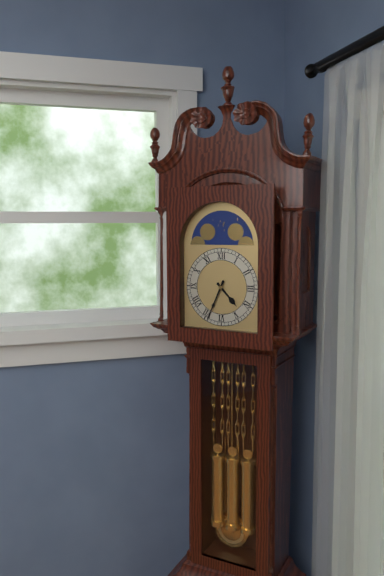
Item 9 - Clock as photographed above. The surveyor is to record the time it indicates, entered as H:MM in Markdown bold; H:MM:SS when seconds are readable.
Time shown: **4:34**
